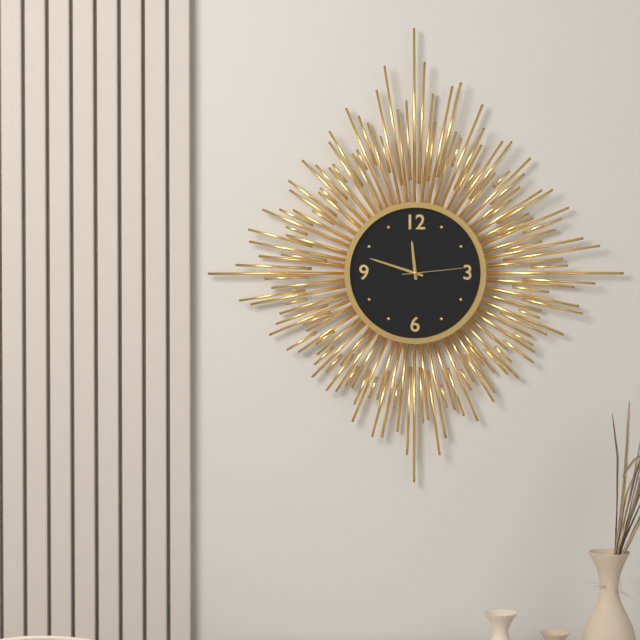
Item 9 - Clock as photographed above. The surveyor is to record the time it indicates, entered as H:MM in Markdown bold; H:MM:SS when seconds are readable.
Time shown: **11:48:14**
